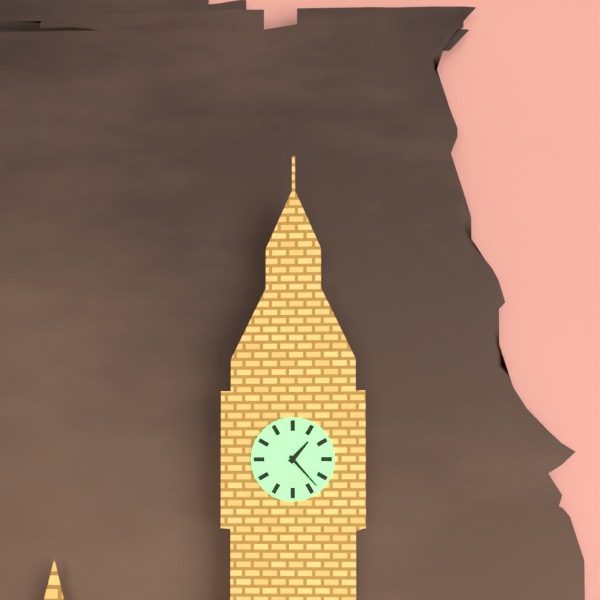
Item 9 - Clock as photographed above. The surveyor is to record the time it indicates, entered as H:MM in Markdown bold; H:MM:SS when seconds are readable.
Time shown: **1:23**
